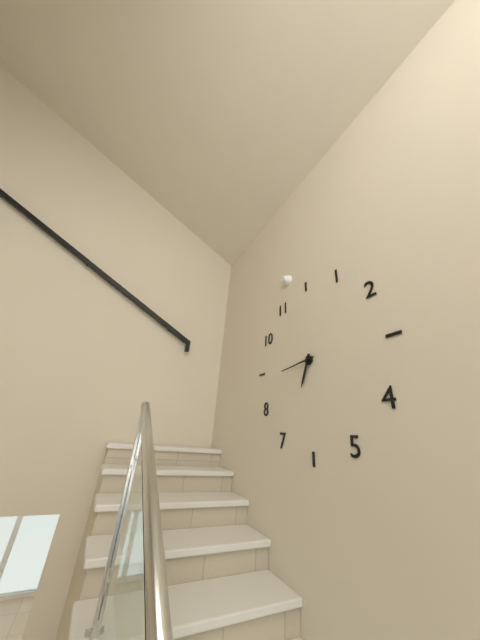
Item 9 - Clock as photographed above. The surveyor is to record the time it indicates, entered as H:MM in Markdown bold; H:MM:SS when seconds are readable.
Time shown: **6:44**
